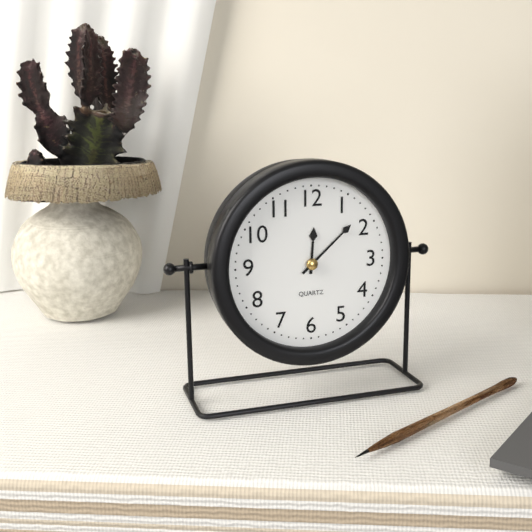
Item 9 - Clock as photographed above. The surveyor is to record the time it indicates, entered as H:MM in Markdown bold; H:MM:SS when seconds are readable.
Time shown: **12:08**
